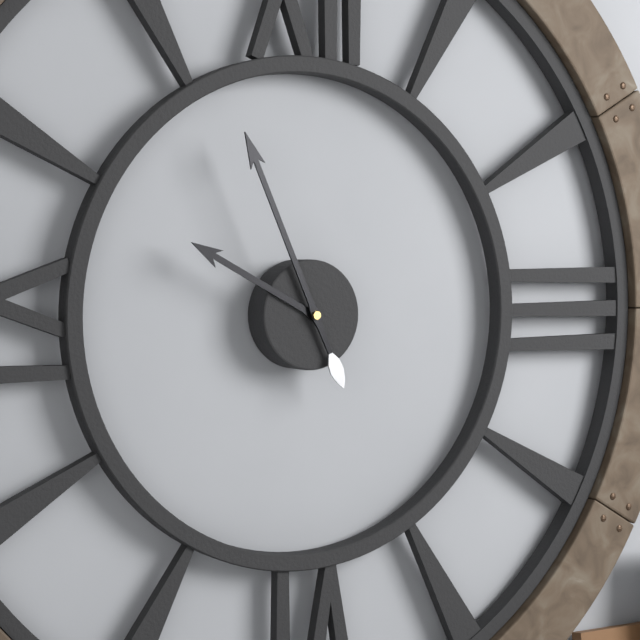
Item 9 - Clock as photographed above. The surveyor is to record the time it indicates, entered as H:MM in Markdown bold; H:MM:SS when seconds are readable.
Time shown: **9:56**
